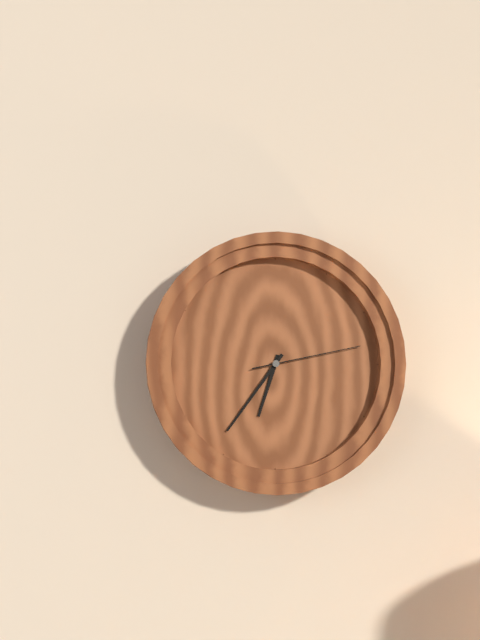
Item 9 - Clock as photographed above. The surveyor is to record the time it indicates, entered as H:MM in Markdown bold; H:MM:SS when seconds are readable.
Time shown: **6:36:13**
